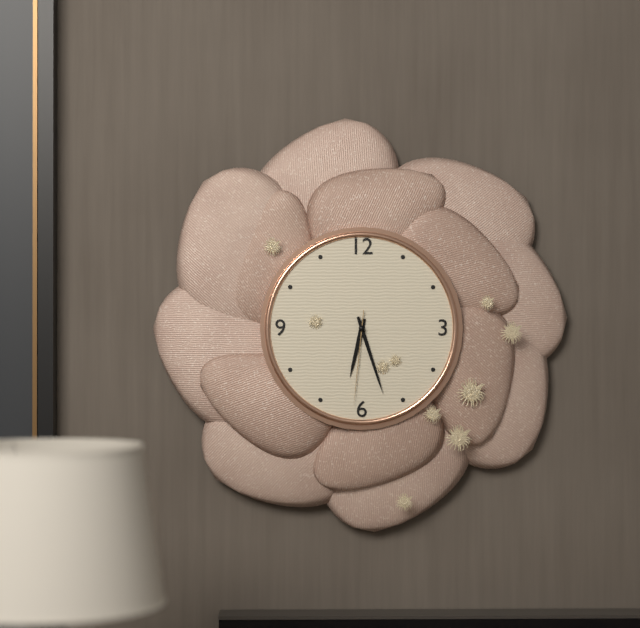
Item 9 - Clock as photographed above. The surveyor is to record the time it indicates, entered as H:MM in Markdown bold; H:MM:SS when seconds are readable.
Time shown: **6:27:31**
